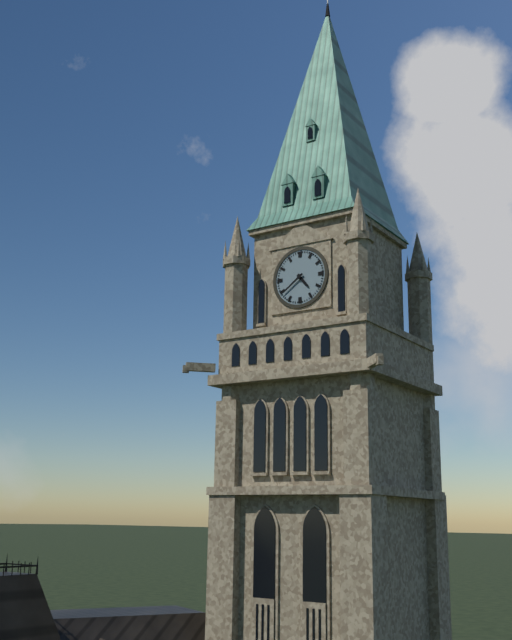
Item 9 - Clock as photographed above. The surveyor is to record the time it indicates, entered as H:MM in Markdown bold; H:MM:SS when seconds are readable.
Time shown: **4:39**
